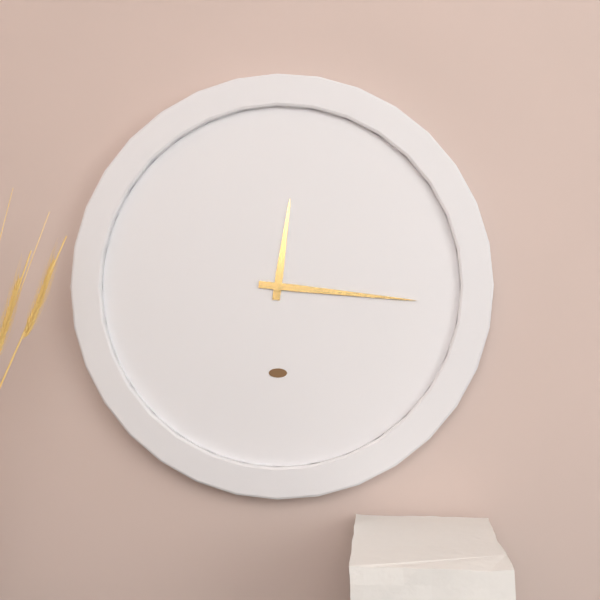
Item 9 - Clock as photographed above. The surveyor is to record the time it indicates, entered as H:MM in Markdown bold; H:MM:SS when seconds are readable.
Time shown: **12:16**
